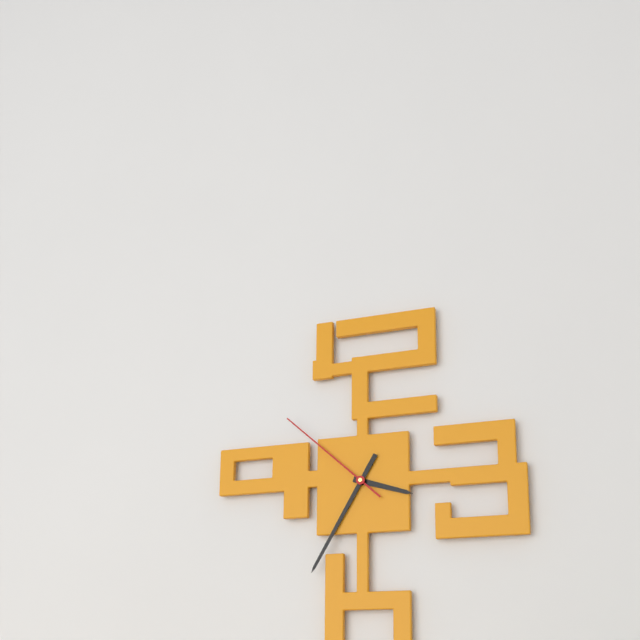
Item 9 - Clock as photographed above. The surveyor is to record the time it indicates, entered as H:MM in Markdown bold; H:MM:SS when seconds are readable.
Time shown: **3:35:52**
